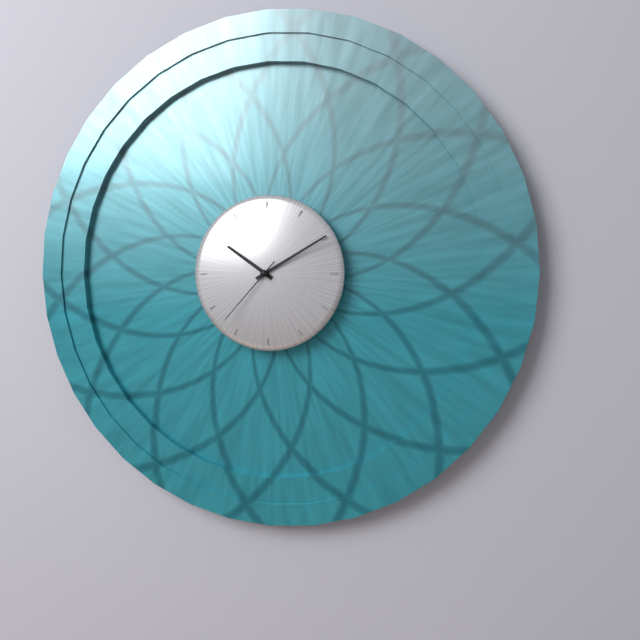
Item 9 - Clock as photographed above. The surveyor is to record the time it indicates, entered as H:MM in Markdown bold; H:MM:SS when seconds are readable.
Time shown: **10:10:37**
